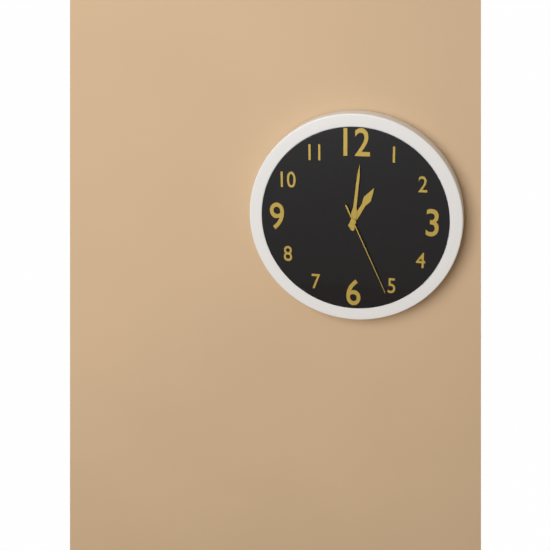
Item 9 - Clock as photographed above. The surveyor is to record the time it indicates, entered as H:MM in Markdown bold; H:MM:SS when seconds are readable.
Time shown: **1:01:26**
